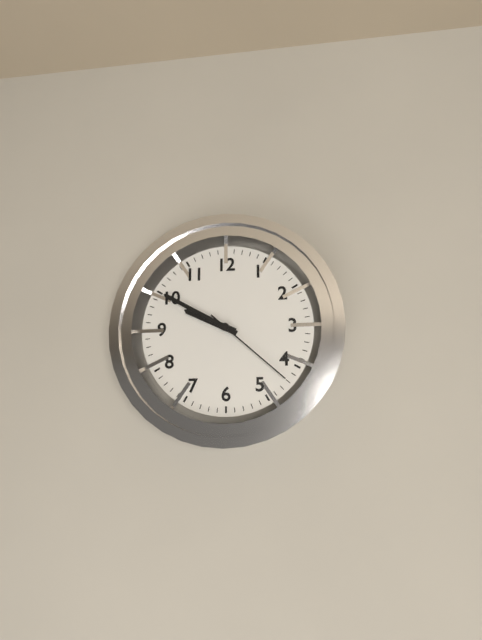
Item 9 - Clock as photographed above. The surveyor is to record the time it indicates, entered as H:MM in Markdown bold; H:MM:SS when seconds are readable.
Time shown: **9:50:22**
